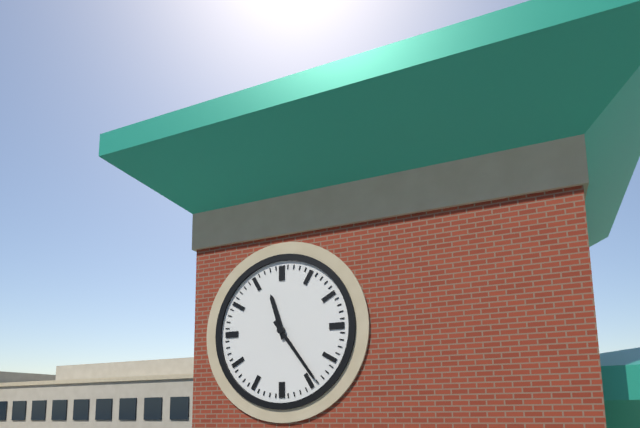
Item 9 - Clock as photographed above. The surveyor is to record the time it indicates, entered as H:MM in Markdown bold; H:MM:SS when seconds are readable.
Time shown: **11:24**
